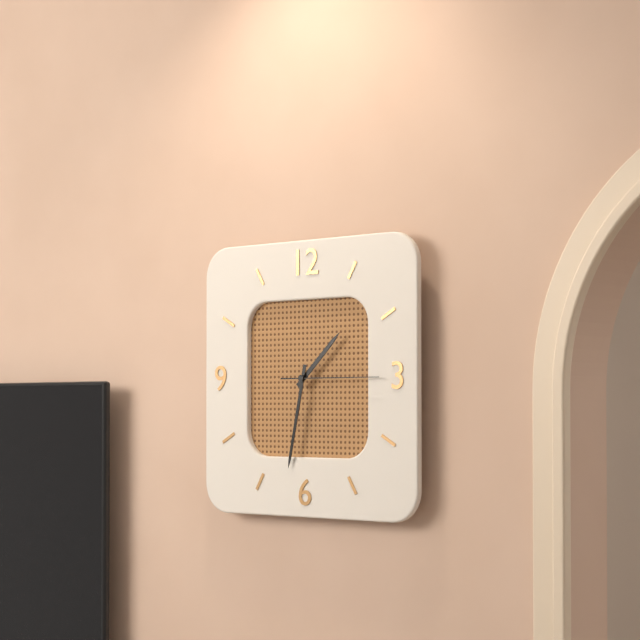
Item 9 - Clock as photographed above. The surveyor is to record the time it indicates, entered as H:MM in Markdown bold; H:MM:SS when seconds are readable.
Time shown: **1:32:15**
